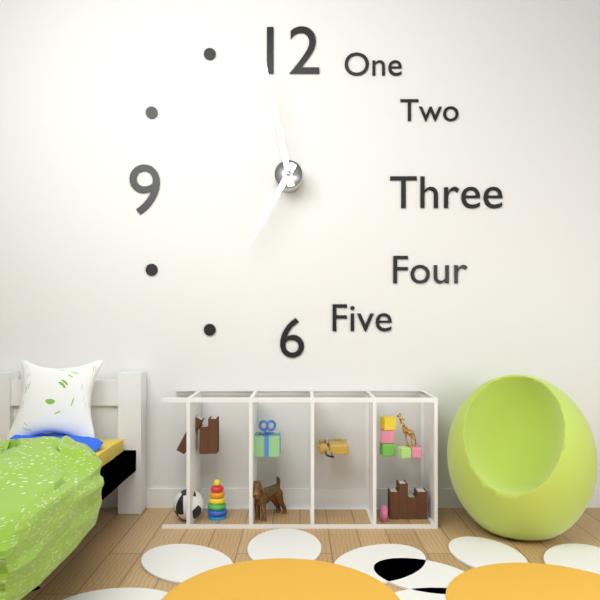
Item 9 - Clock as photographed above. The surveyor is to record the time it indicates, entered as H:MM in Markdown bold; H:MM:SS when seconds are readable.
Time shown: **6:58**
